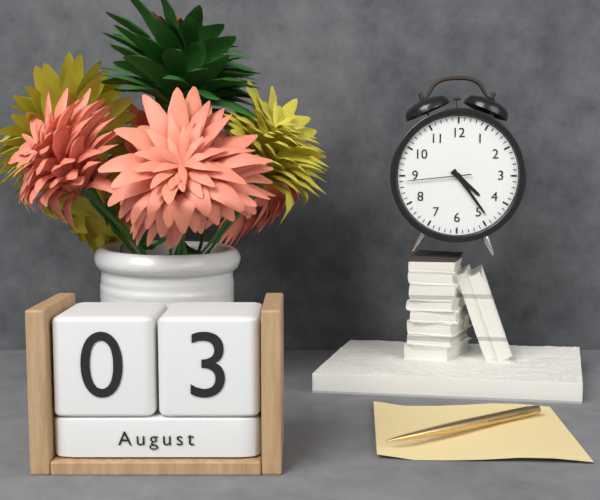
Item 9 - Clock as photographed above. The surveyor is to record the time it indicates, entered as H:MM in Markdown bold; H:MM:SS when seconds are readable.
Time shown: **4:24:44**
